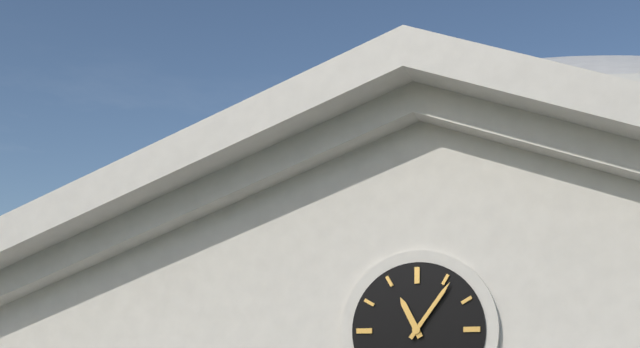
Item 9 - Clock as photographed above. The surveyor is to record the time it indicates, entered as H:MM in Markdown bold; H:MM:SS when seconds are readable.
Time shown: **11:06**
